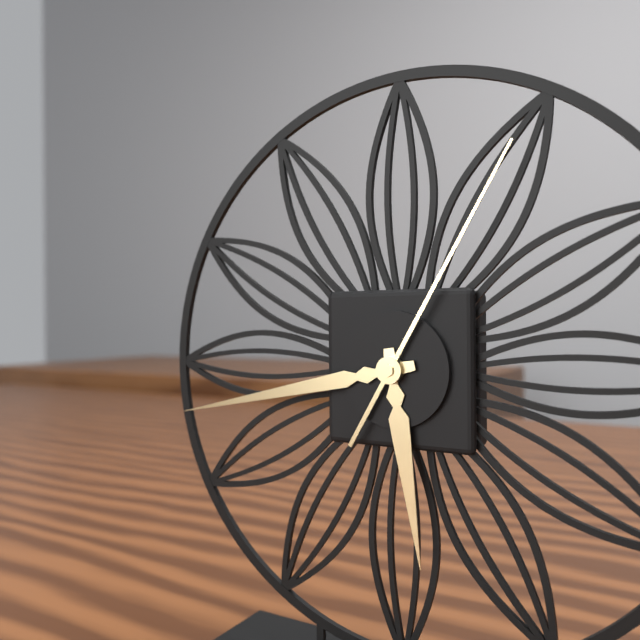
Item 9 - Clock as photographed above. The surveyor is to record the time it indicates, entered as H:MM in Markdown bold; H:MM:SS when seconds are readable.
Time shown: **5:43:05**
